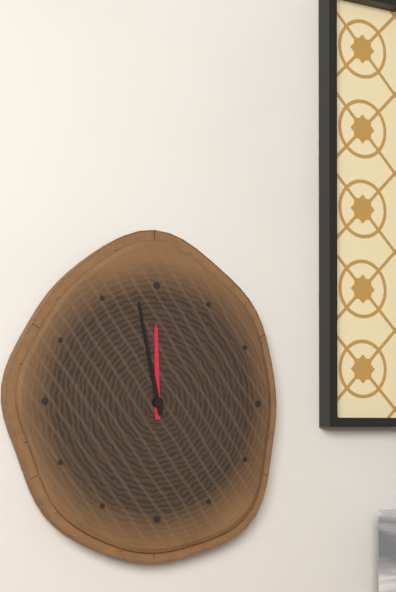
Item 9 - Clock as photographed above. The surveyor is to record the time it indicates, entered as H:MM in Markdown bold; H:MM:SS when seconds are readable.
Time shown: **11:58**
